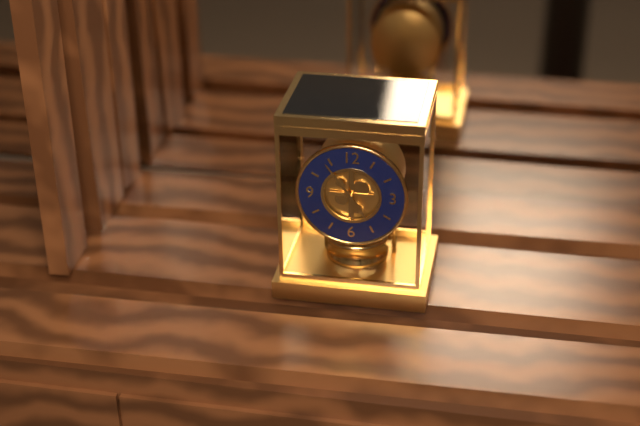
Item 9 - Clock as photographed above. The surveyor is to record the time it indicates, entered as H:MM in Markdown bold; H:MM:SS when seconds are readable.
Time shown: **4:54**
